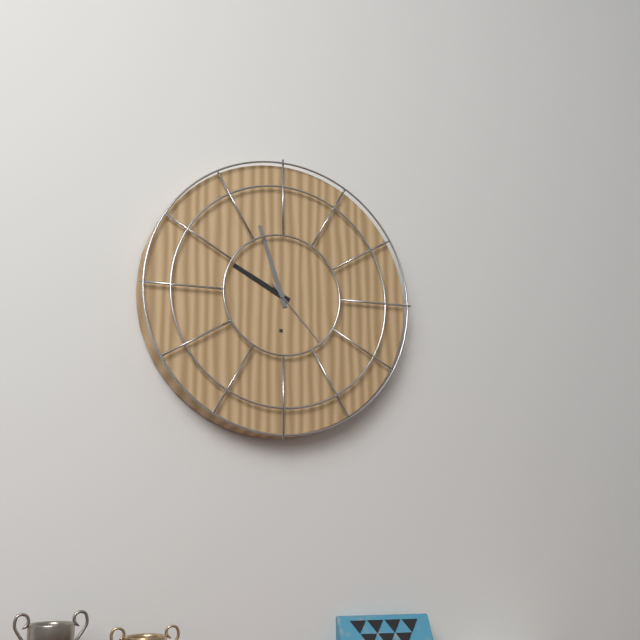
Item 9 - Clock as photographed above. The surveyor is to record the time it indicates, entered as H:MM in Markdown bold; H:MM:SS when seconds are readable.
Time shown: **9:57:23**
